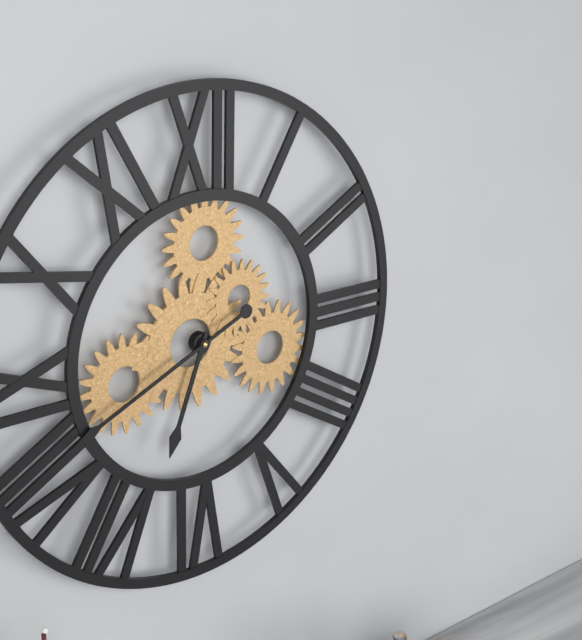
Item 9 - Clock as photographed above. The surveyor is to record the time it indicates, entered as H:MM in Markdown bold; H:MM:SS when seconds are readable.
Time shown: **6:41**
